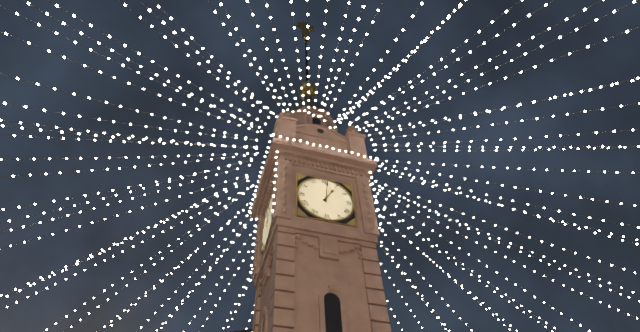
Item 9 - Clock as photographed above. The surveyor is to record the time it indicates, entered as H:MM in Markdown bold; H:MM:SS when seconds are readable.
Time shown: **1:01**
